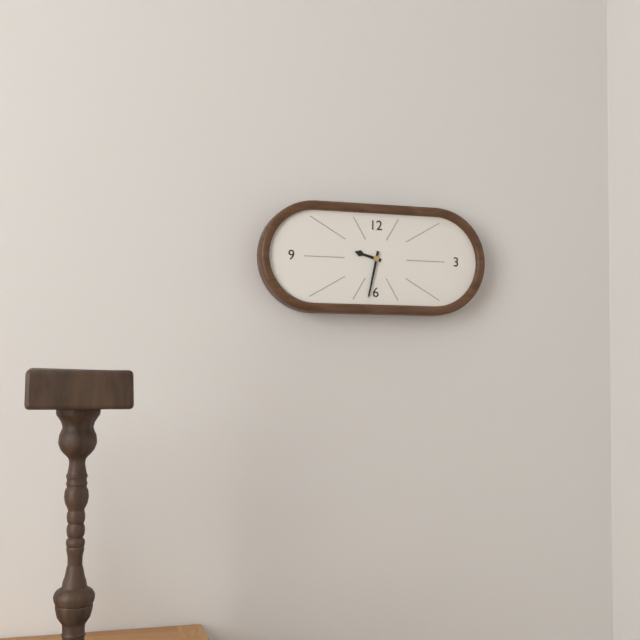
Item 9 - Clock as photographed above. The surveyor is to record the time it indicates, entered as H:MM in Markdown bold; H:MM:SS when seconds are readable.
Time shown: **9:32**
